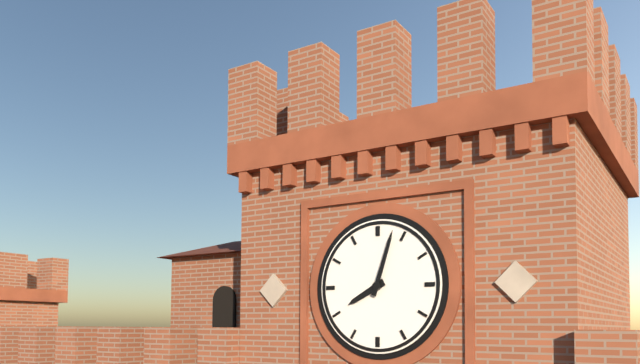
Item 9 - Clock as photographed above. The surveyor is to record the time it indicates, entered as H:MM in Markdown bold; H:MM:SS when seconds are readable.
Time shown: **8:03**
